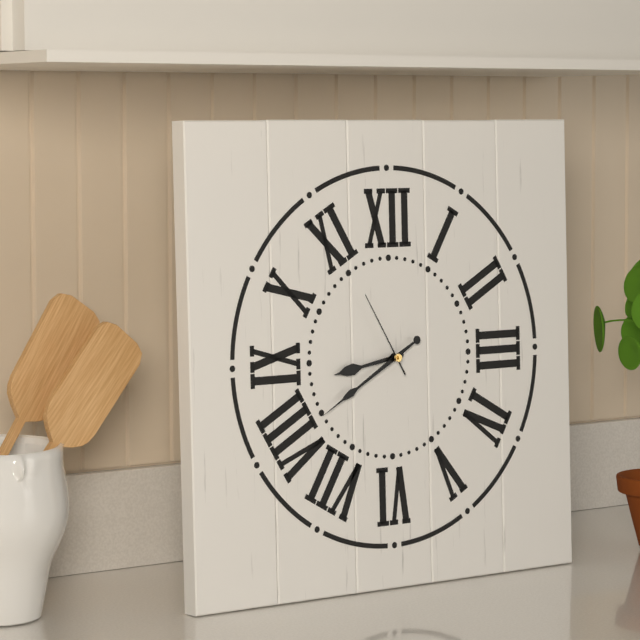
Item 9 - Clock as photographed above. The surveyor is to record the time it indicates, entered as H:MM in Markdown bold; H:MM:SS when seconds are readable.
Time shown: **8:40:55**
